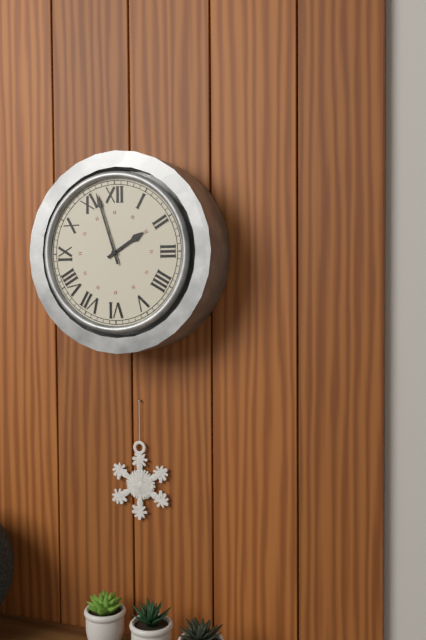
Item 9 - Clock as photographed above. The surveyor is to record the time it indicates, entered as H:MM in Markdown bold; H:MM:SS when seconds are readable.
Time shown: **1:57**
